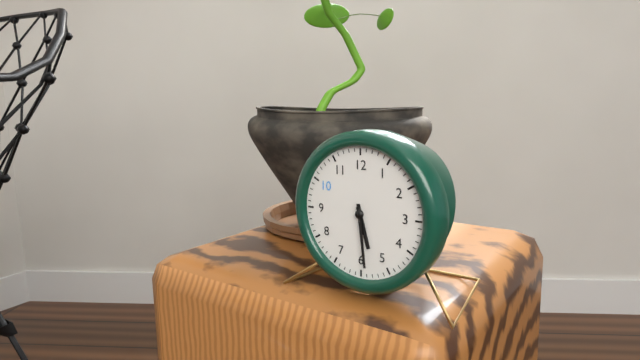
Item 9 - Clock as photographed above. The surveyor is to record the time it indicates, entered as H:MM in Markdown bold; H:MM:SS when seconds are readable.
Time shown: **5:29**
